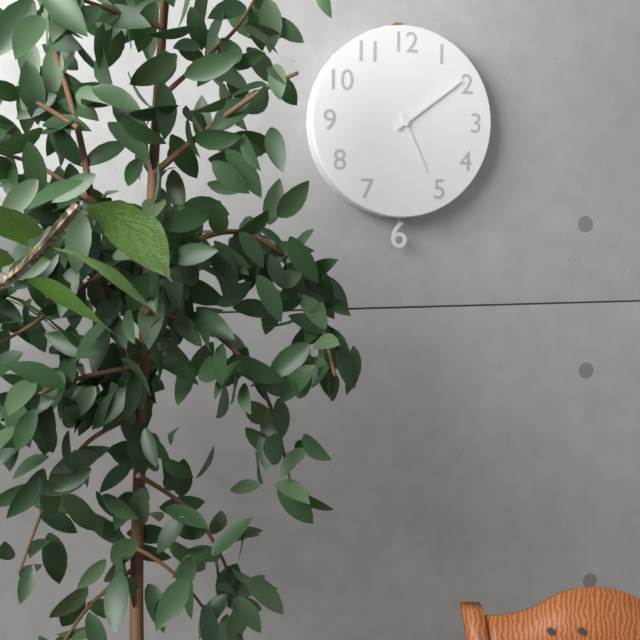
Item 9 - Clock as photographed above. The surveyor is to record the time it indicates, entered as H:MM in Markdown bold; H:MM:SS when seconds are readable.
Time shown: **5:09**
